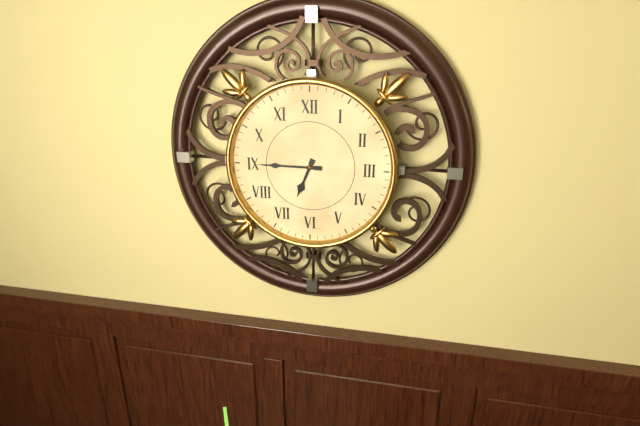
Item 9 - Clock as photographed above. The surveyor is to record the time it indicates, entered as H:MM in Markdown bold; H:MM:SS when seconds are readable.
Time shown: **6:45**
